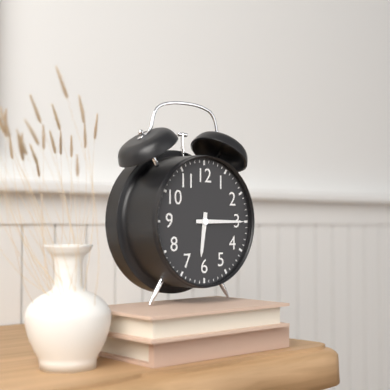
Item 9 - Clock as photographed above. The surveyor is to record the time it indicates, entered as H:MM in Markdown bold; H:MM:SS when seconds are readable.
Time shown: **6:15**
